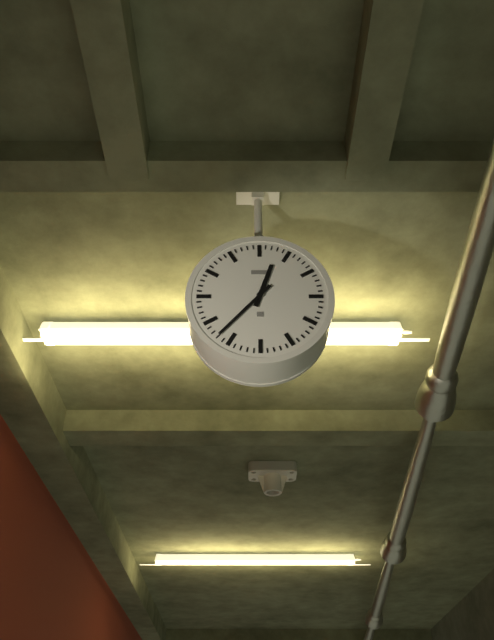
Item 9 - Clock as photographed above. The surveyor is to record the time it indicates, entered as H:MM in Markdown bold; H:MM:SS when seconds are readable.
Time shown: **12:37**
